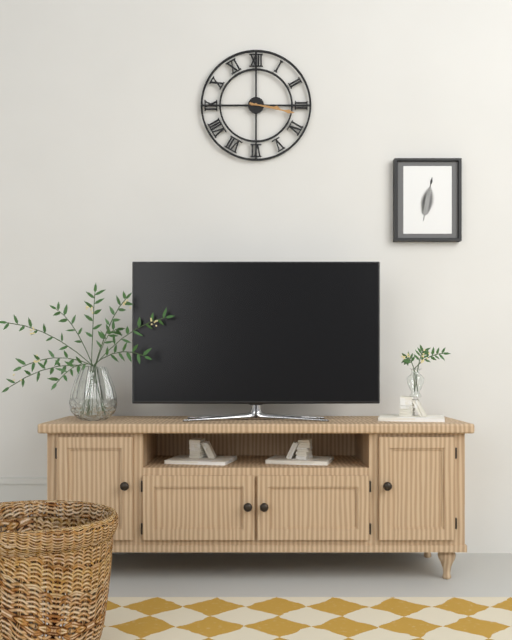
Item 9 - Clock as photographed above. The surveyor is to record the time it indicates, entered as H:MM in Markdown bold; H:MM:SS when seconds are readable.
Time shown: **3:17**
